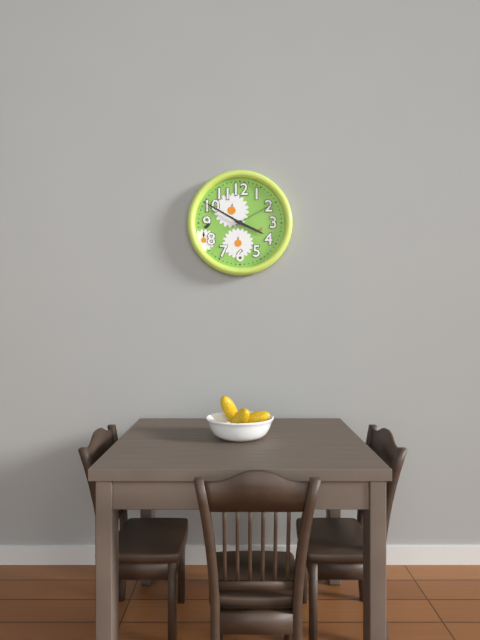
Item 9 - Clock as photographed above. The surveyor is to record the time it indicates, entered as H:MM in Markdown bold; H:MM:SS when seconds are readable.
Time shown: **3:50:10**
